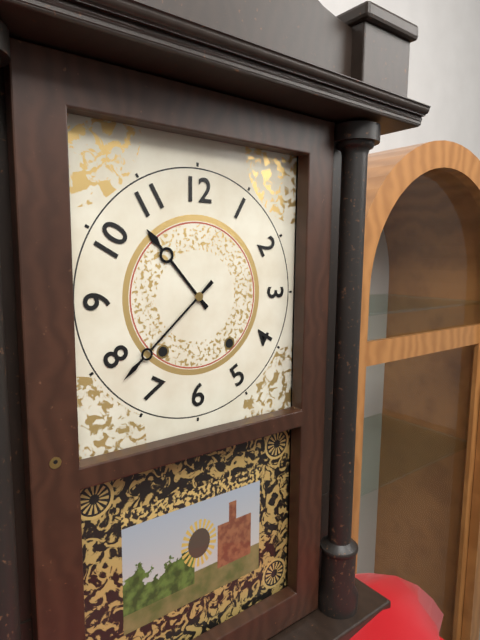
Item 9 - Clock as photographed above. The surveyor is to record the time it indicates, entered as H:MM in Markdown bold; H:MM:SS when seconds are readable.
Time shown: **10:38**
